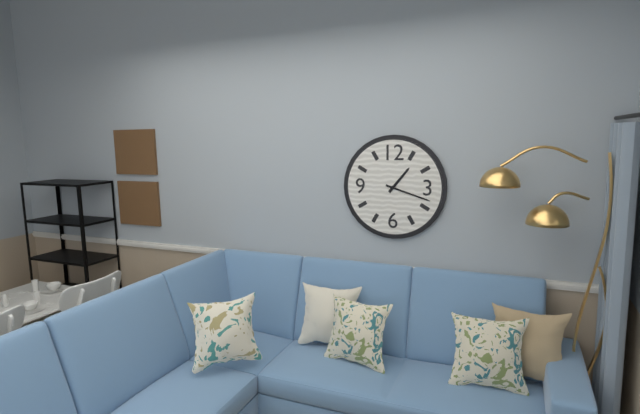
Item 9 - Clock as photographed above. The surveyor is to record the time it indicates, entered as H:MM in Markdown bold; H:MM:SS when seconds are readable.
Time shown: **1:18**
